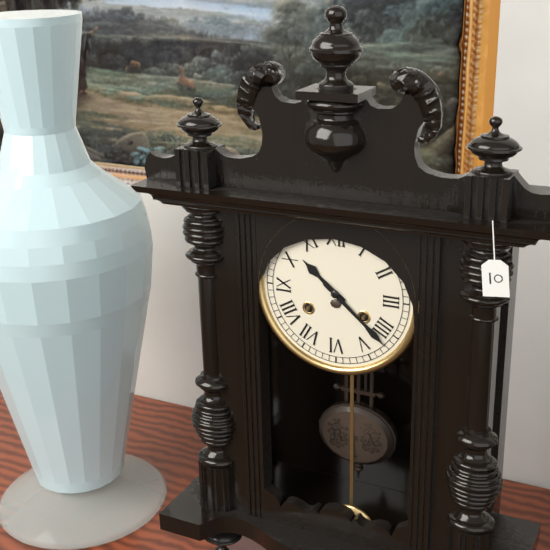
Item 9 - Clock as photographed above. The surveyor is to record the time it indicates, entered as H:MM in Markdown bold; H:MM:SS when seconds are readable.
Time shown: **10:22**
